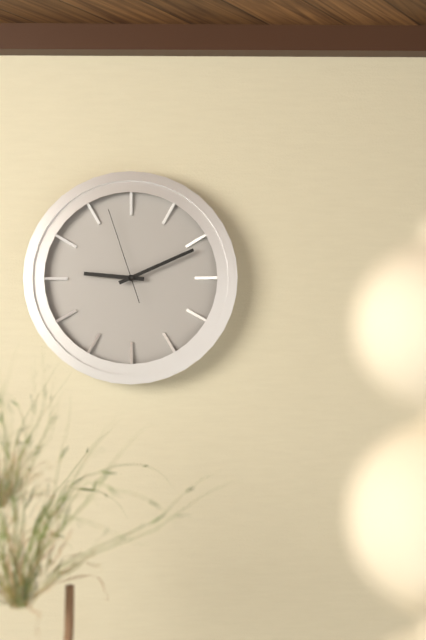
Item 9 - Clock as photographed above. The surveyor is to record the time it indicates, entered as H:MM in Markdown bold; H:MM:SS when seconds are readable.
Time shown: **9:11:57**
